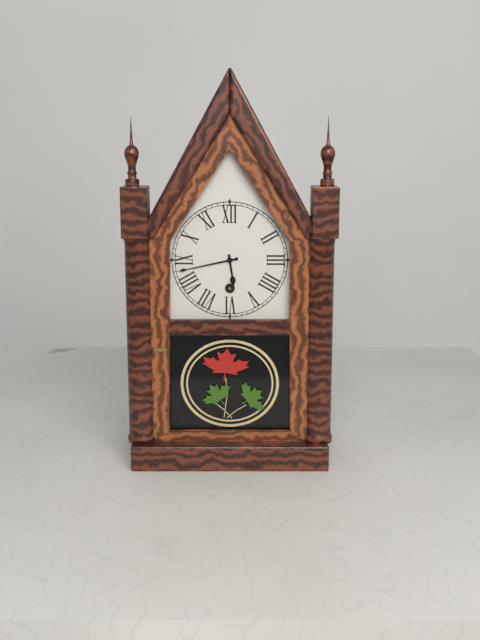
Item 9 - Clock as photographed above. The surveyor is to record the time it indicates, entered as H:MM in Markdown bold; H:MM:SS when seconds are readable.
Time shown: **5:43**
